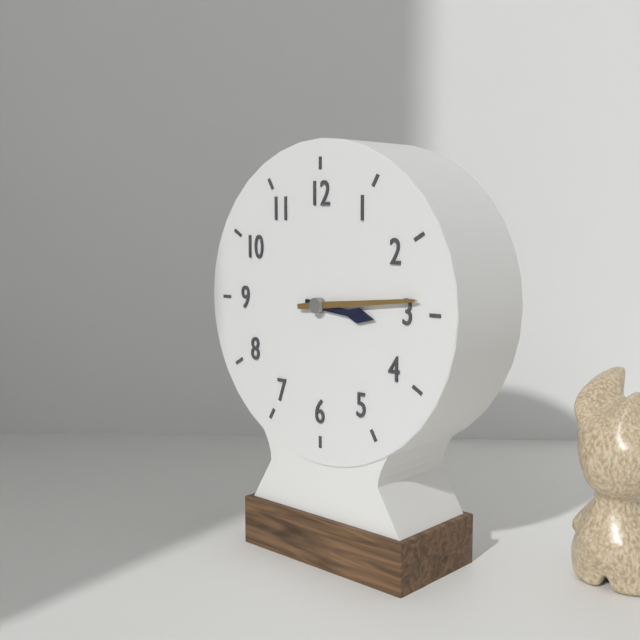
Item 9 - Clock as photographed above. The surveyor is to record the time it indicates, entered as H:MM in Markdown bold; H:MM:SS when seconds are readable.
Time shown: **3:14**
